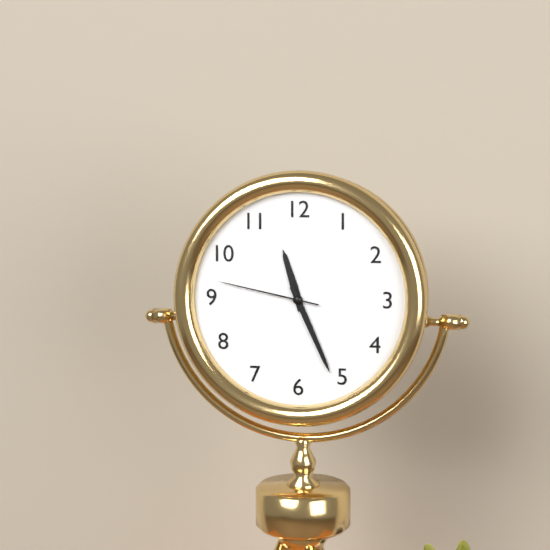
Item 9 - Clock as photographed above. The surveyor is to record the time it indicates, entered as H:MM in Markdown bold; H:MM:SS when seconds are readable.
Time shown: **11:26:47**
